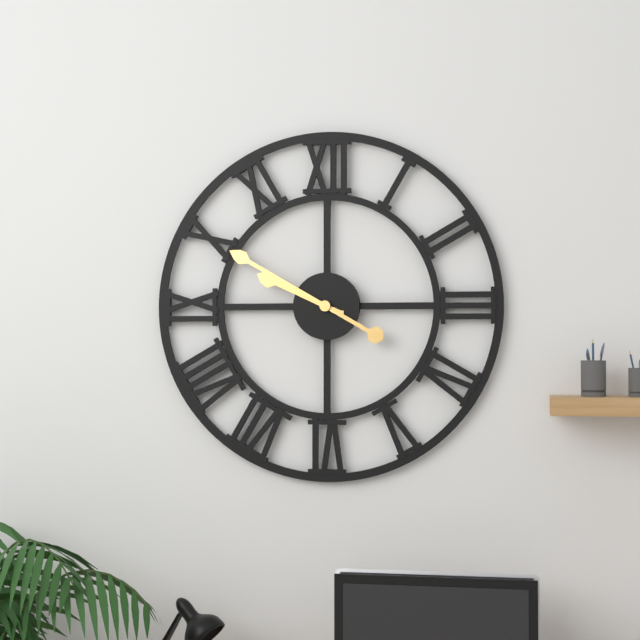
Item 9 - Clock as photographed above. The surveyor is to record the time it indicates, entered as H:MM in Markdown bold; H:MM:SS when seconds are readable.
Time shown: **9:50**
